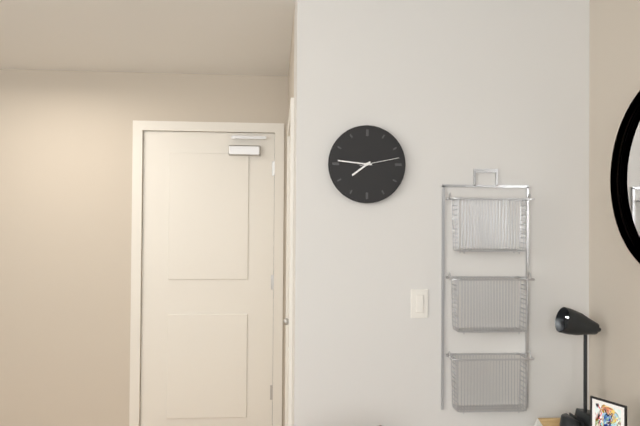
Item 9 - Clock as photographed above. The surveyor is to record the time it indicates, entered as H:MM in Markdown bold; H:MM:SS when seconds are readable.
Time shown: **7:46**
